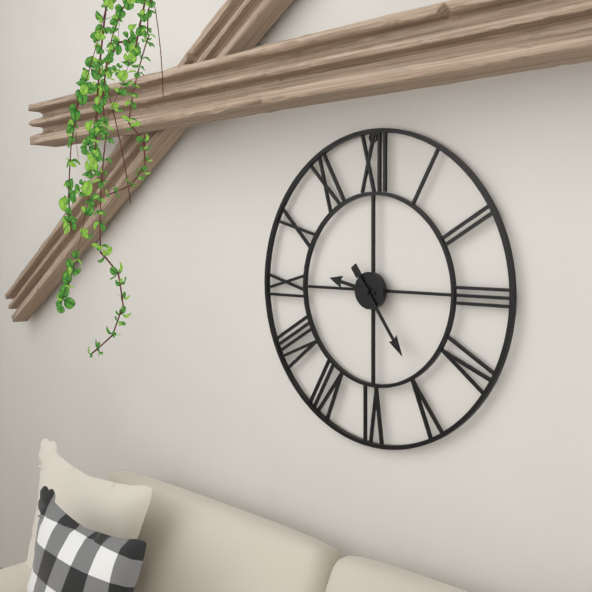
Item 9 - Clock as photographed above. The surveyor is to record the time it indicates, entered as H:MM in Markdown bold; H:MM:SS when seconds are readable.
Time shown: **9:24**
